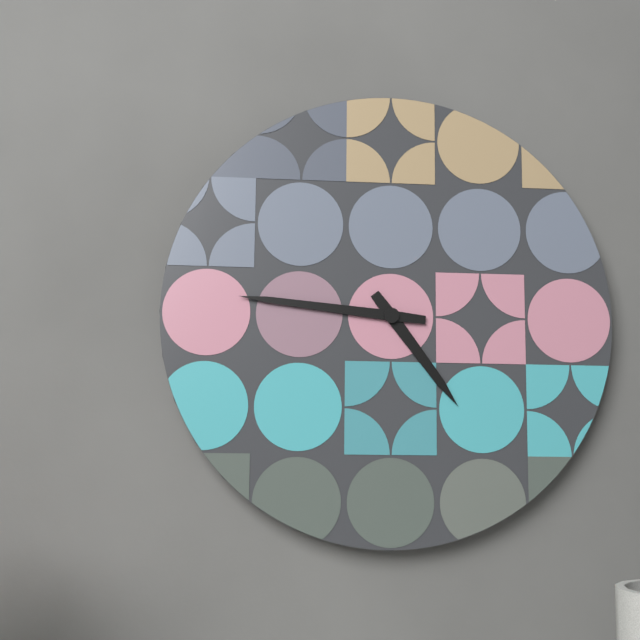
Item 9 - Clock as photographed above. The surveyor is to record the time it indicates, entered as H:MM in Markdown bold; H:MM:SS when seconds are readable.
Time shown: **4:46**
